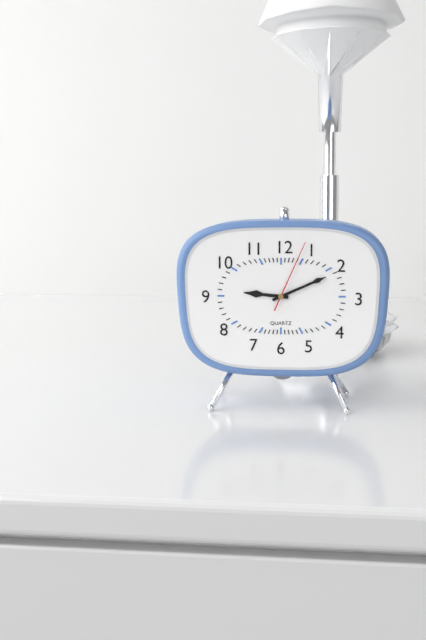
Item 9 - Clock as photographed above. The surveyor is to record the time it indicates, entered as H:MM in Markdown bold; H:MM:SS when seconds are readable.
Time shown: **9:11:04**
